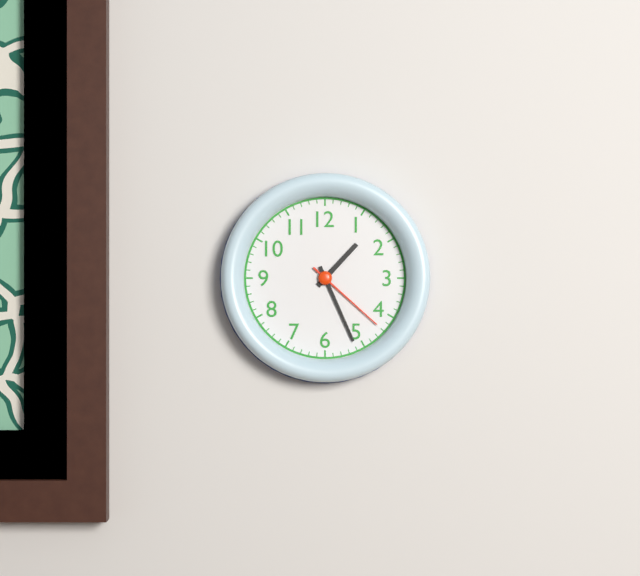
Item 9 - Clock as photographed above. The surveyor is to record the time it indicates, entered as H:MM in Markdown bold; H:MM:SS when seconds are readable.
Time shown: **1:26:22**
